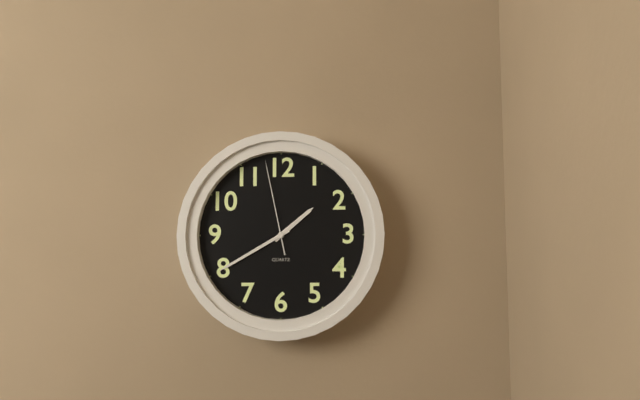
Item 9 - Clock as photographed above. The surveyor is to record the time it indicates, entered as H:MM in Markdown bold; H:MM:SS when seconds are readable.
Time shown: **1:40:58**
